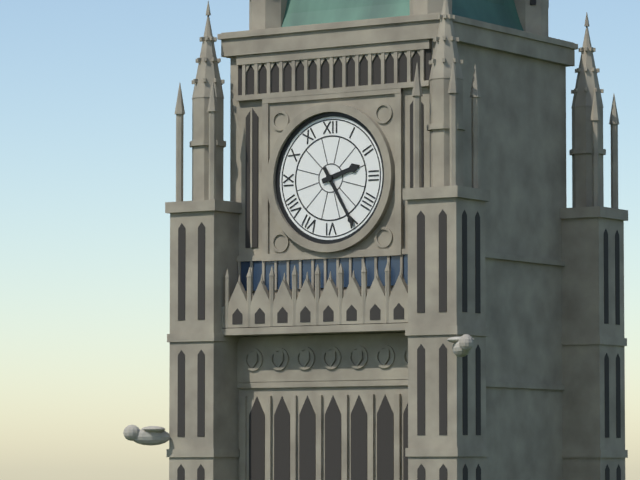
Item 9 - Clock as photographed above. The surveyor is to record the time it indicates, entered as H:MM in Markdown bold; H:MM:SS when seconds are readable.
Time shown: **2:25**
